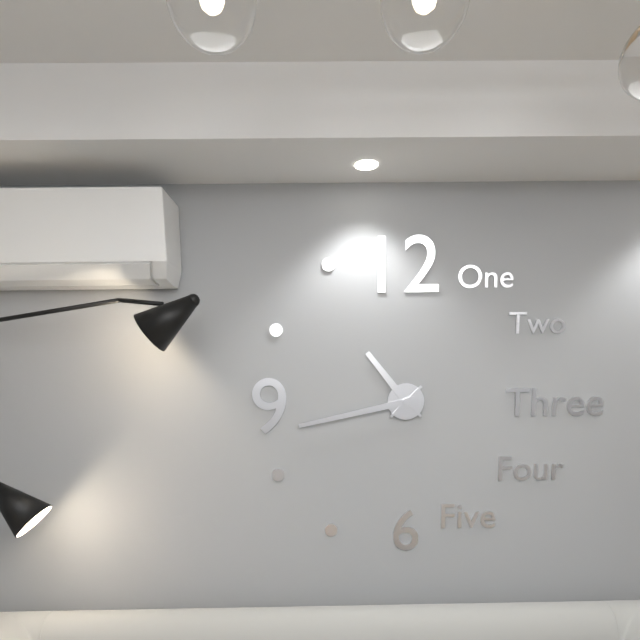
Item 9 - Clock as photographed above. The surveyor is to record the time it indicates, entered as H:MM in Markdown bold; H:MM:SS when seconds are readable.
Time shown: **10:43**
